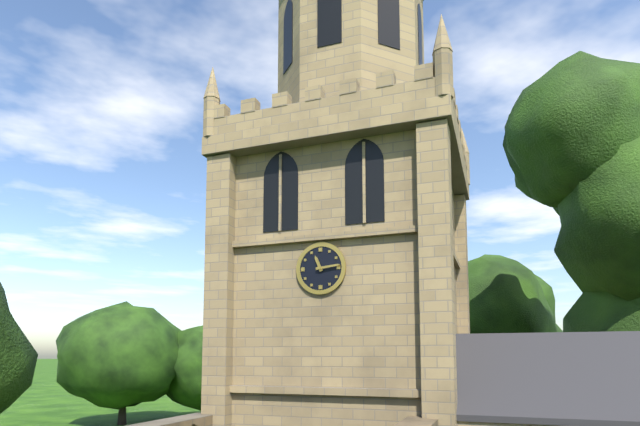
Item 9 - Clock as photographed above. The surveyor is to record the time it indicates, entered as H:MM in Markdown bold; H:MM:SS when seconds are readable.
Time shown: **11:14**
